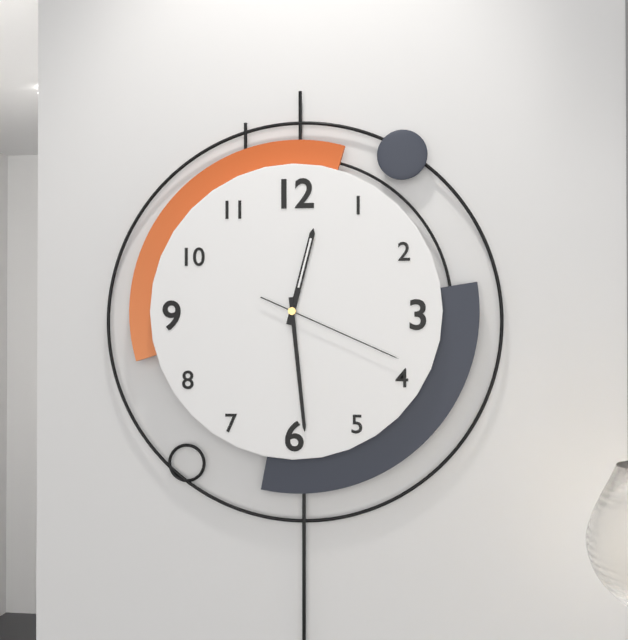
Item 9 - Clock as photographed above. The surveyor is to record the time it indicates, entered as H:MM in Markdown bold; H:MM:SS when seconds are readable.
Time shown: **12:29:19**
